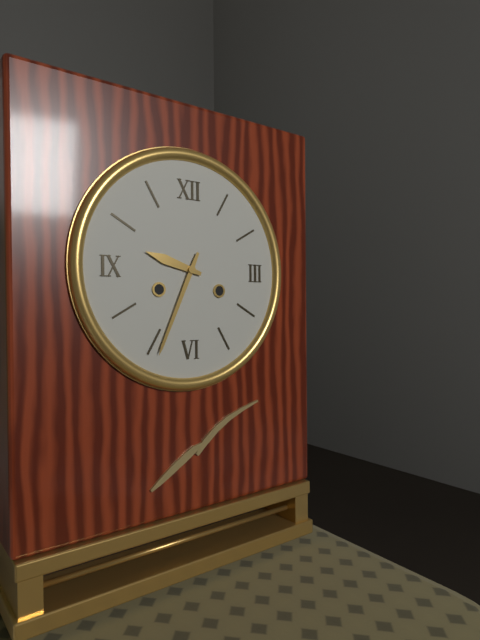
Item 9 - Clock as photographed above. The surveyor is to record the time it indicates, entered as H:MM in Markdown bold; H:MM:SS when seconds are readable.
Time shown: **9:34**
